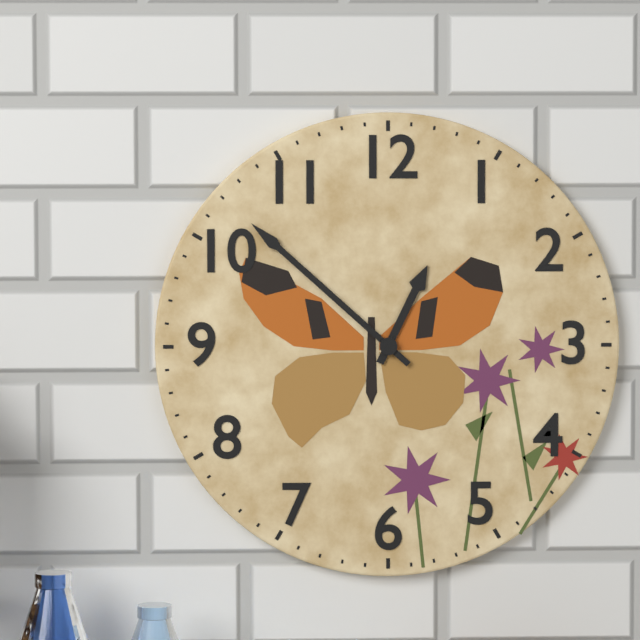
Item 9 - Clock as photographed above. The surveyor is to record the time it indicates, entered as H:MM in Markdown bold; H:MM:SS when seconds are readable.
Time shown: **12:52**
